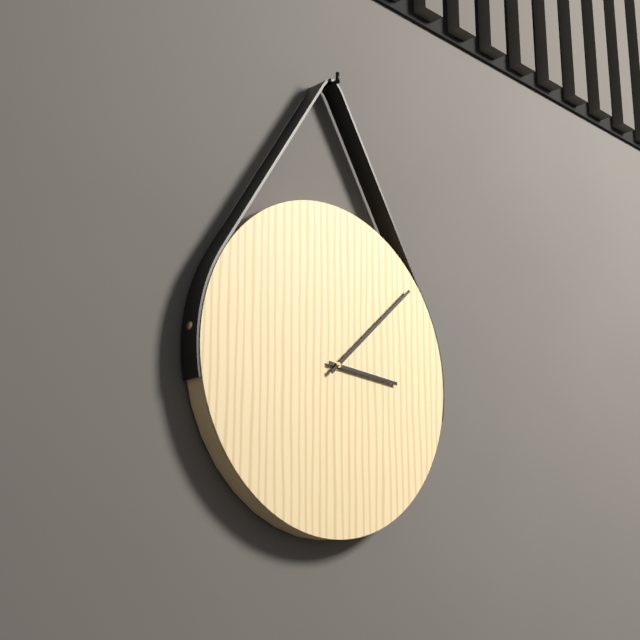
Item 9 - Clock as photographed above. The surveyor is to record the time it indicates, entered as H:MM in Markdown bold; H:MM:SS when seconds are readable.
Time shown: **3:08**
